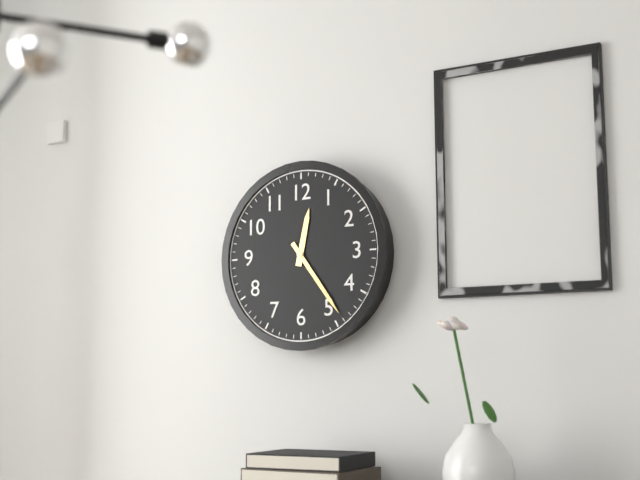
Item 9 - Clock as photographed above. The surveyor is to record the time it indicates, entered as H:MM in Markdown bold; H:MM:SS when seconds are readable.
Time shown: **12:24**
